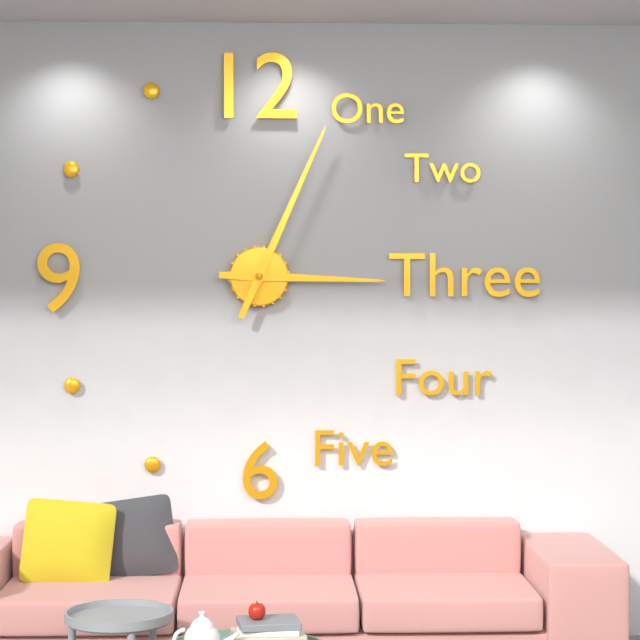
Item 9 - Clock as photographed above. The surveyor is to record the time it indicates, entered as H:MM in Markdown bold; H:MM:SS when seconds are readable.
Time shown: **3:04**
